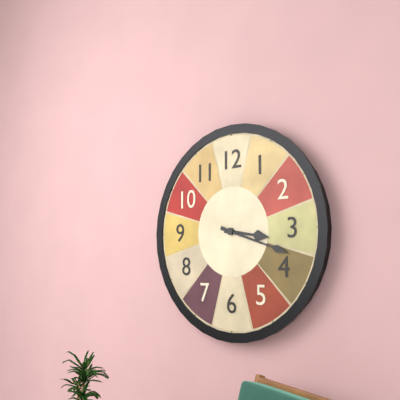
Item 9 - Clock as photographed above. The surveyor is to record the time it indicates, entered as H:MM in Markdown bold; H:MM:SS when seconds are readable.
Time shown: **3:18**
